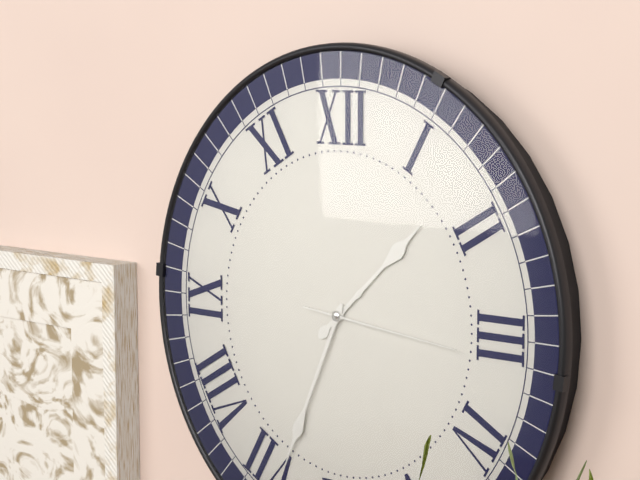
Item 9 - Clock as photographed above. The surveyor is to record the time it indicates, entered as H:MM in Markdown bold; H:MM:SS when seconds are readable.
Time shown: **1:34:16**
